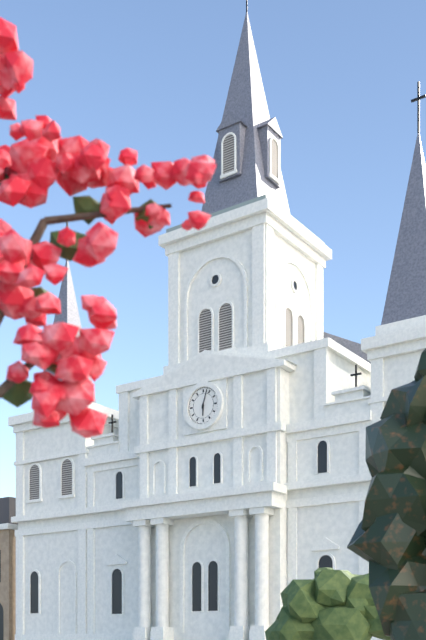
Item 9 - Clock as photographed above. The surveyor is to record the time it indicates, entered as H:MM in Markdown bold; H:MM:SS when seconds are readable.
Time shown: **6:03**
